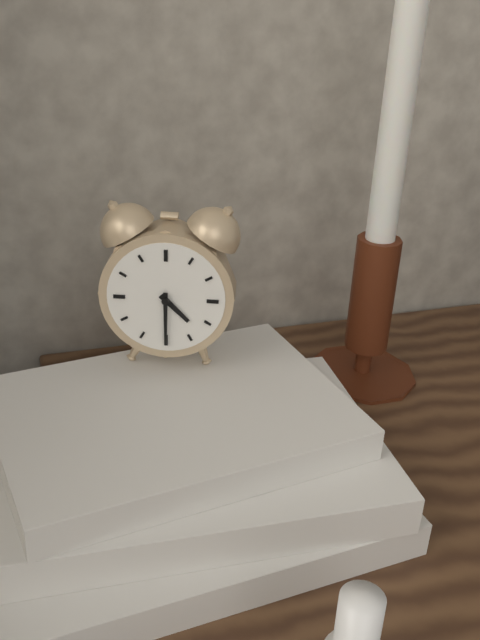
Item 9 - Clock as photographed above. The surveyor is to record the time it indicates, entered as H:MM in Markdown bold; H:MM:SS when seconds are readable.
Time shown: **4:30**
